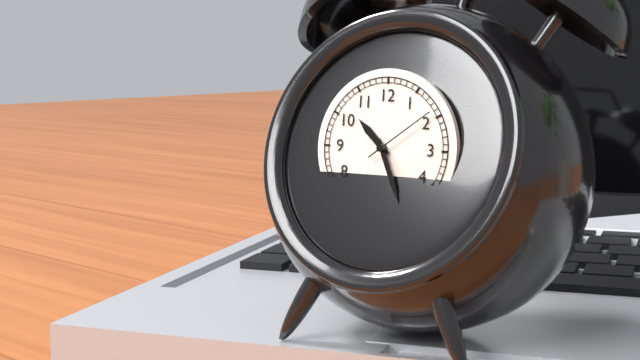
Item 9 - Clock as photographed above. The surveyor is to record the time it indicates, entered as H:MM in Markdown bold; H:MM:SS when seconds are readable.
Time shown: **10:26:09**
